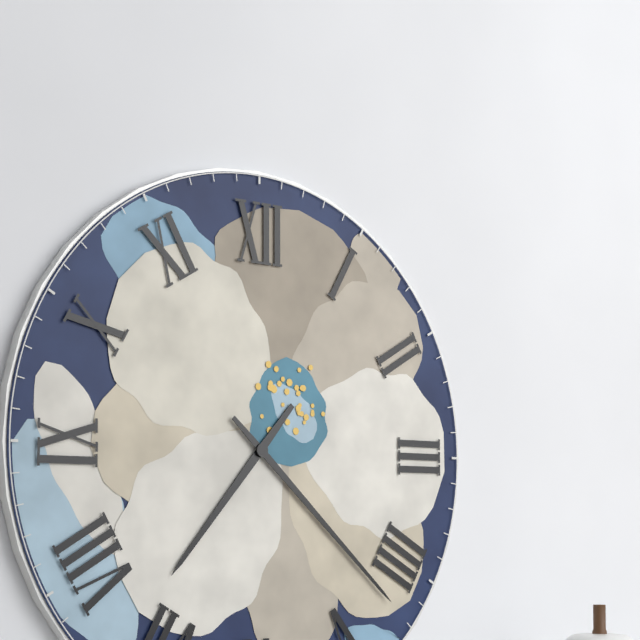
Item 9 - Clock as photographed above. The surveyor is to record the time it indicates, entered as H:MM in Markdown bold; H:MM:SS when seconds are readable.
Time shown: **7:22**
